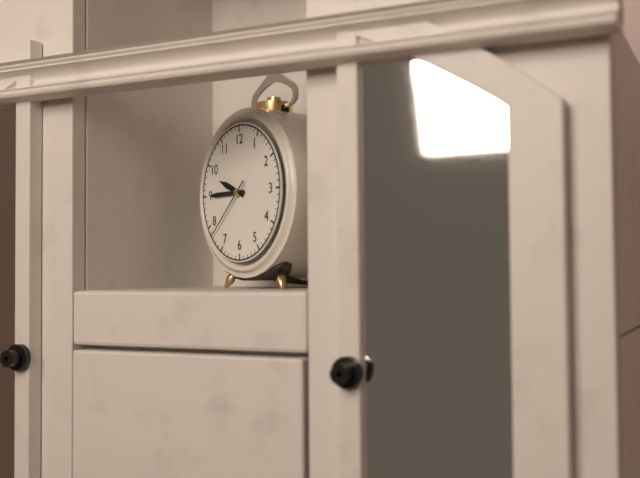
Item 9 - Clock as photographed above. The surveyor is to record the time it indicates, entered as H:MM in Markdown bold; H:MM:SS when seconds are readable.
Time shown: **9:45:38**
